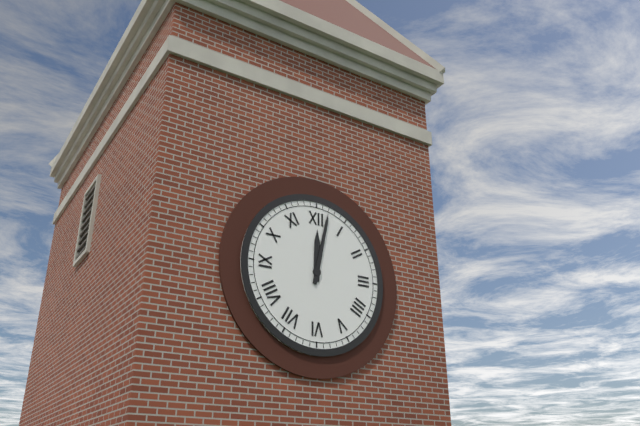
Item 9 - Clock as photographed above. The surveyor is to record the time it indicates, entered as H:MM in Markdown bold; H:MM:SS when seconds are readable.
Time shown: **12:02**
